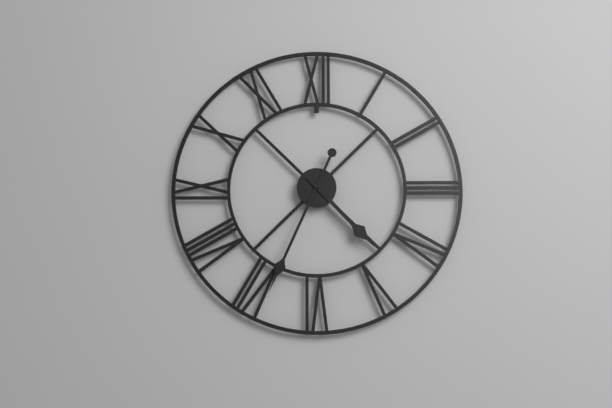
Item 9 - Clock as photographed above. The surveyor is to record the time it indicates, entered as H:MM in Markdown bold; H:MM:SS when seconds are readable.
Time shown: **4:34**
